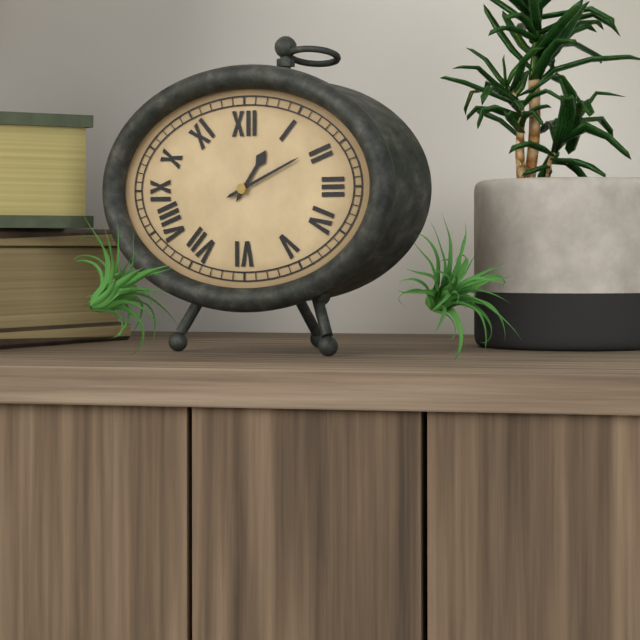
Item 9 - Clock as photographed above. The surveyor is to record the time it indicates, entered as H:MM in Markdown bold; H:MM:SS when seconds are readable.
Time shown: **1:11**
